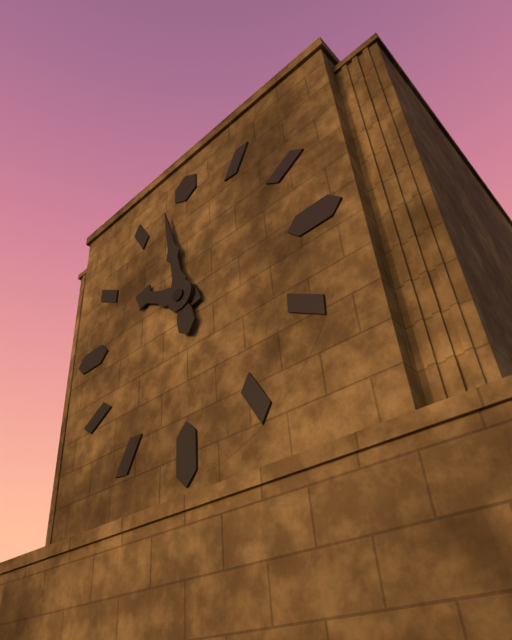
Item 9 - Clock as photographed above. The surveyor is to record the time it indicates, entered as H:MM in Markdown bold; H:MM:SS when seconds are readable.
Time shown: **9:58**
